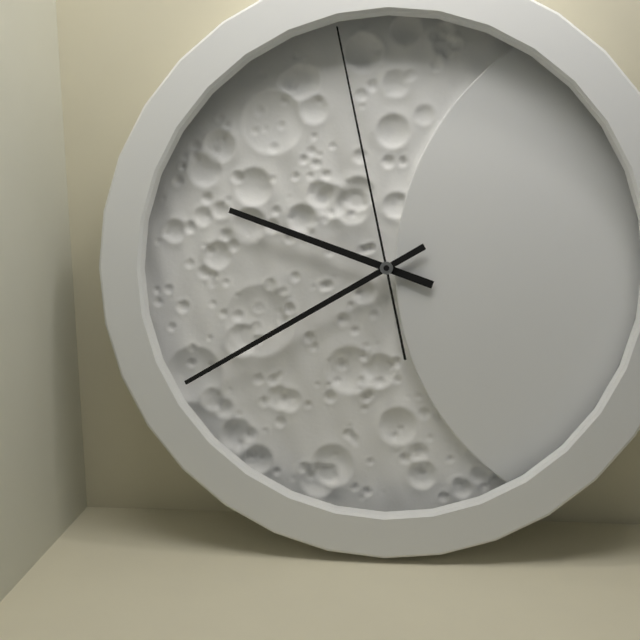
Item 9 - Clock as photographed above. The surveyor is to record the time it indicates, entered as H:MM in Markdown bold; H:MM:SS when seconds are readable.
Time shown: **9:40:58**
